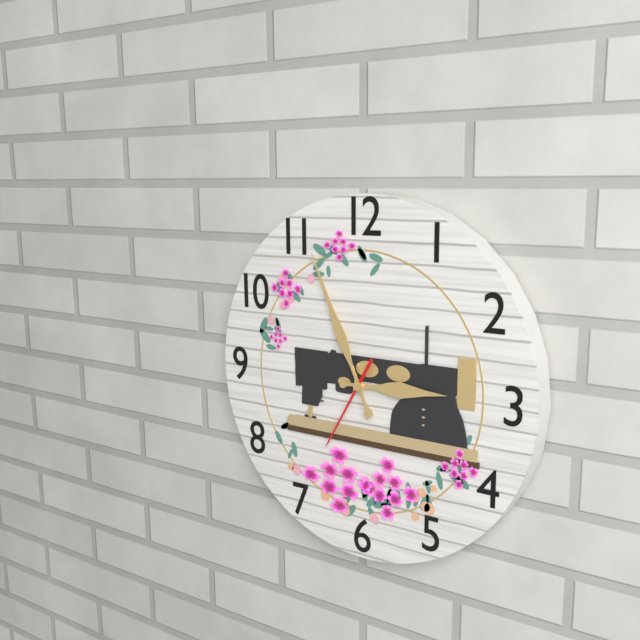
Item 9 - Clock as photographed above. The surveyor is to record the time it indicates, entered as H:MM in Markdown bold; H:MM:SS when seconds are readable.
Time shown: **2:56:35**
